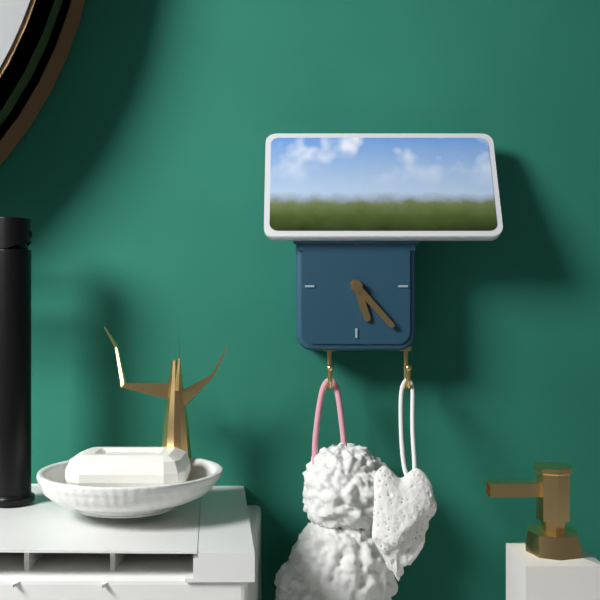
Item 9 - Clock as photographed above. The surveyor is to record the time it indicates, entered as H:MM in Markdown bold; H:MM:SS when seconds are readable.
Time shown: **5:23**
